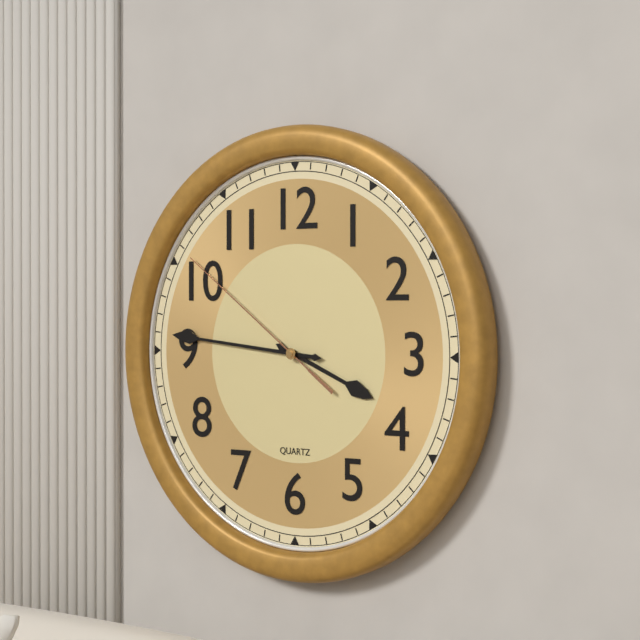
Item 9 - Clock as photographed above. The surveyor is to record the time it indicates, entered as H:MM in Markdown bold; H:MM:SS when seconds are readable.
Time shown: **3:46:51**
